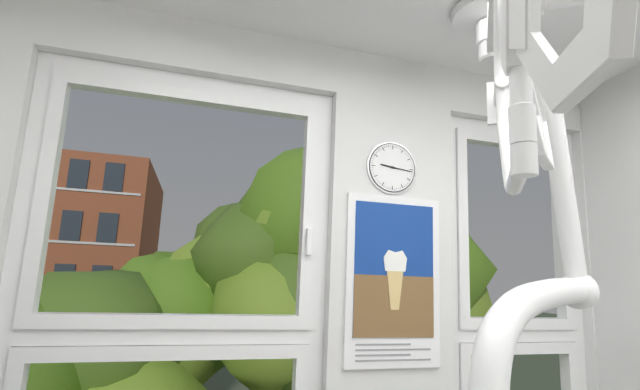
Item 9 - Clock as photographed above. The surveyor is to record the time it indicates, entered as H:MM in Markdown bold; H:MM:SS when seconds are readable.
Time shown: **9:16**
